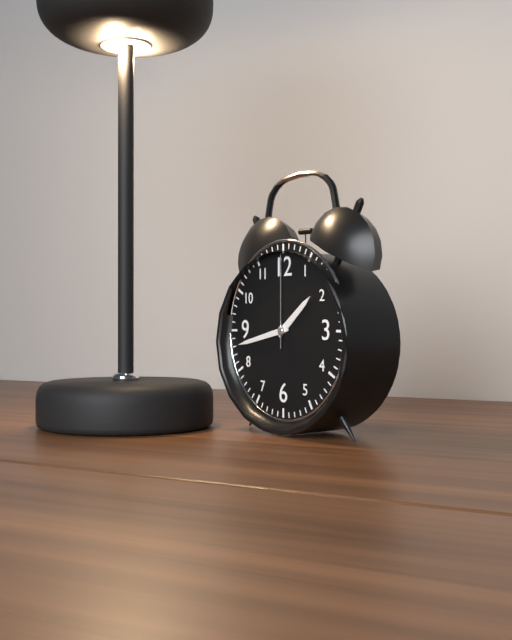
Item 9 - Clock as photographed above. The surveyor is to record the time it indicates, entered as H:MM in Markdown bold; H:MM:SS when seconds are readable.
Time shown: **1:43:00**
